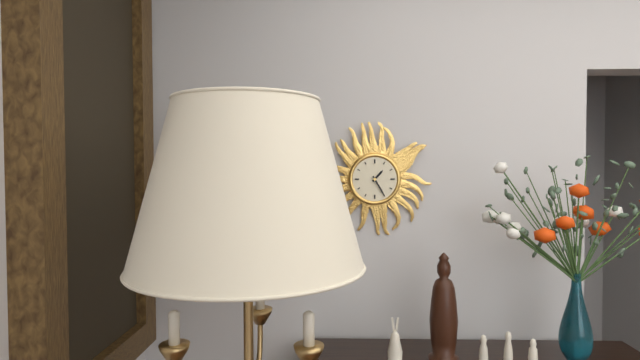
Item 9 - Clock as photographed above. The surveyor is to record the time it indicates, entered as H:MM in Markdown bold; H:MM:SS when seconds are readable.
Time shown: **1:25**
